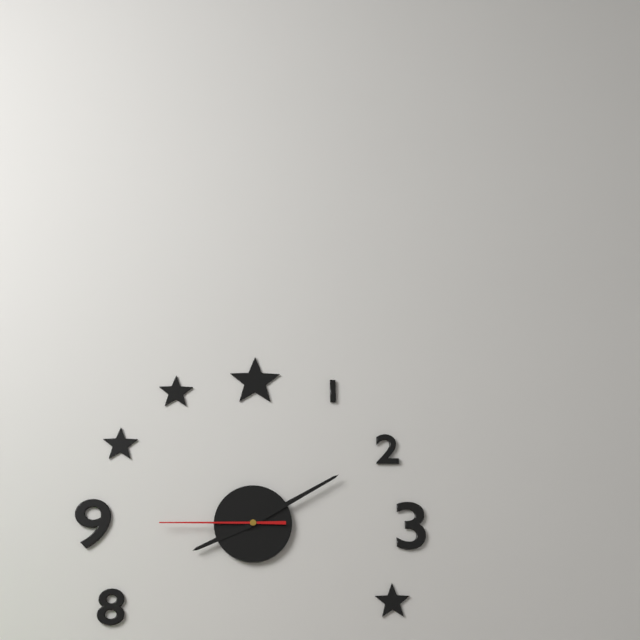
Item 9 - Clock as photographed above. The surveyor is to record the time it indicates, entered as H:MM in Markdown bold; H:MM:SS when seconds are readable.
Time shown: **8:10:45**
